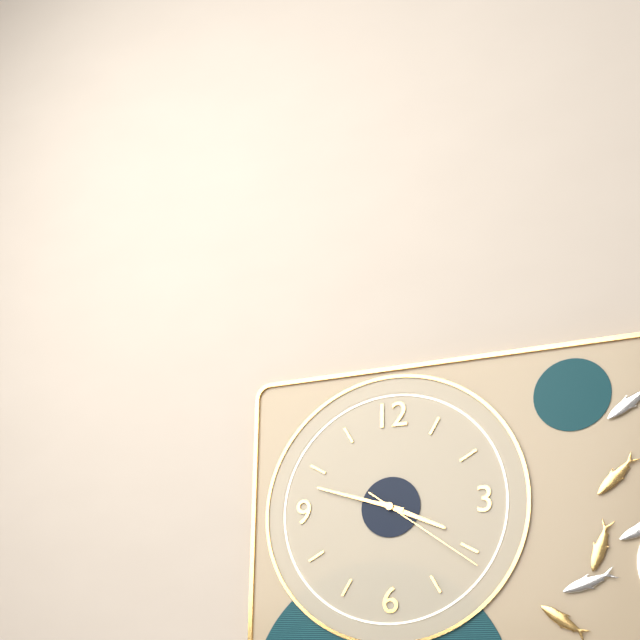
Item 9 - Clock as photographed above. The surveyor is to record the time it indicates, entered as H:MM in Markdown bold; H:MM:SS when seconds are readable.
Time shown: **3:48:21**
